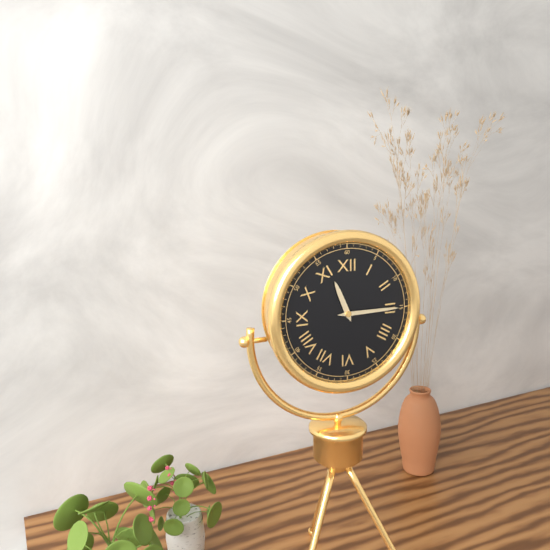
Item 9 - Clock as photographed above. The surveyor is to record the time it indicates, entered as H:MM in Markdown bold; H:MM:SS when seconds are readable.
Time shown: **11:15**
